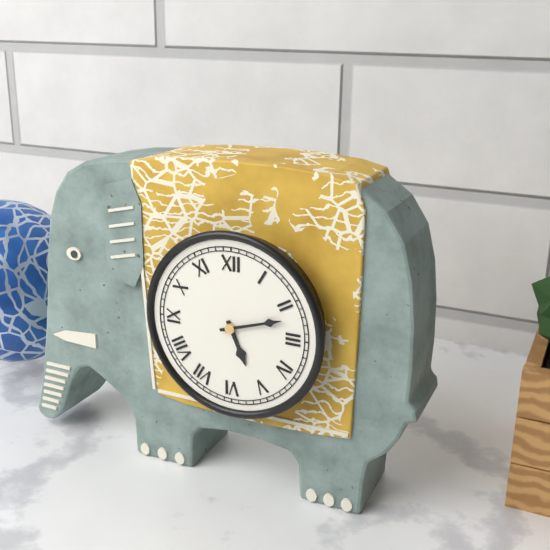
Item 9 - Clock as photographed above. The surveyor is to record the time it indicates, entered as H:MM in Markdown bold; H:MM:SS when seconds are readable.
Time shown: **5:12**
